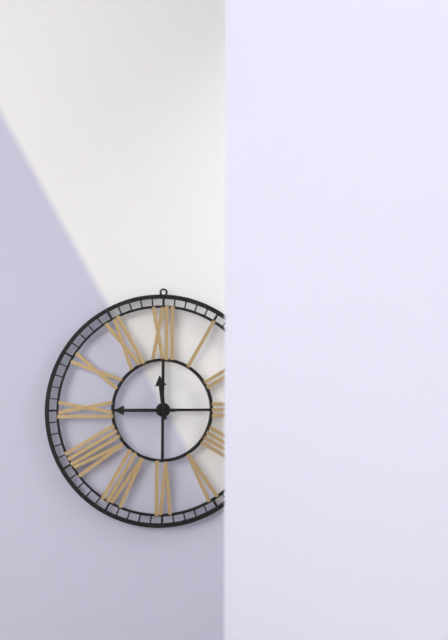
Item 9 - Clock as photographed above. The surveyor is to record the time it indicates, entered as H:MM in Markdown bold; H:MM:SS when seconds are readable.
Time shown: **11:45**
